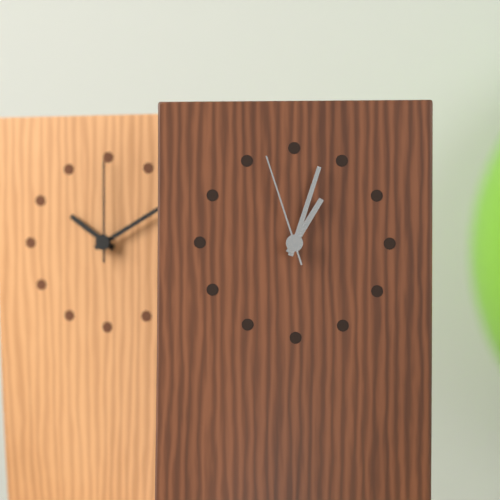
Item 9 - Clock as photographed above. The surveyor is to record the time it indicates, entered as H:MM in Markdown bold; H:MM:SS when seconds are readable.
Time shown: **1:03:57**
